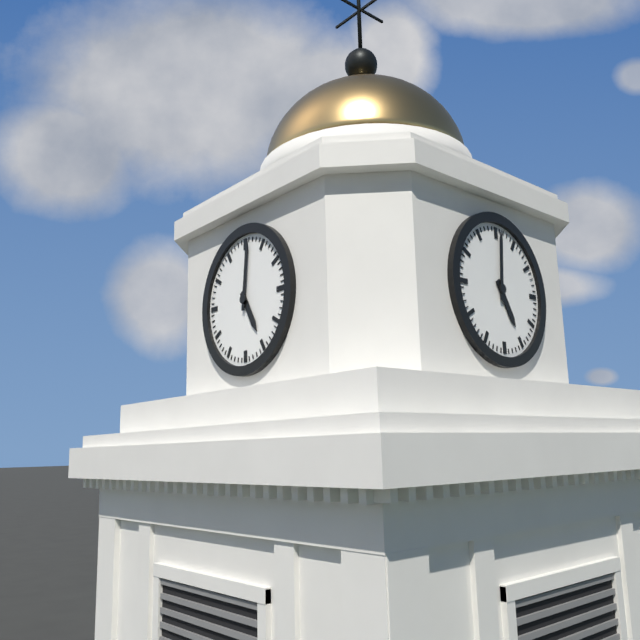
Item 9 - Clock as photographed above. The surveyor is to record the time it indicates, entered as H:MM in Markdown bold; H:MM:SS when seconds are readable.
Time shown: **5:01**
